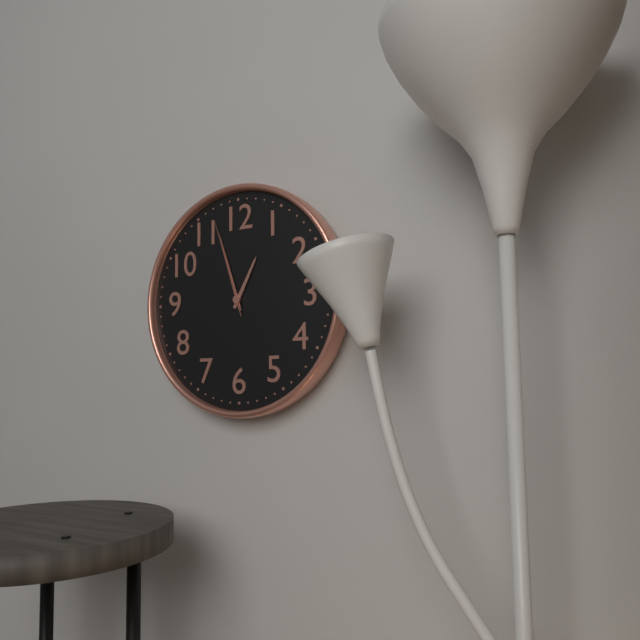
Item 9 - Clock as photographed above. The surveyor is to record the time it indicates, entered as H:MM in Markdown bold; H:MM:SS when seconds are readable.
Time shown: **12:57:57**
